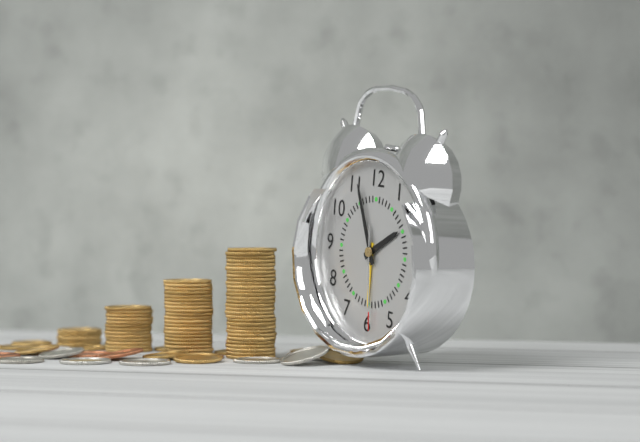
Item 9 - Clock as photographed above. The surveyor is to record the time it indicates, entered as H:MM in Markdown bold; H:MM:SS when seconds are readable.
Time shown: **1:56:29**
